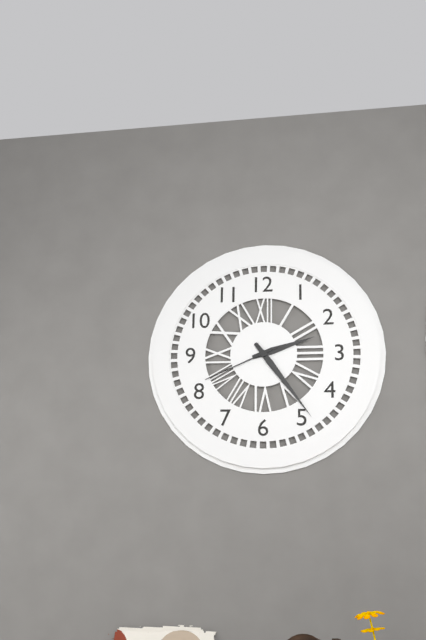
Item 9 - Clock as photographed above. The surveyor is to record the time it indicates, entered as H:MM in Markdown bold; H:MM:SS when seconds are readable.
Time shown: **2:24:41**
